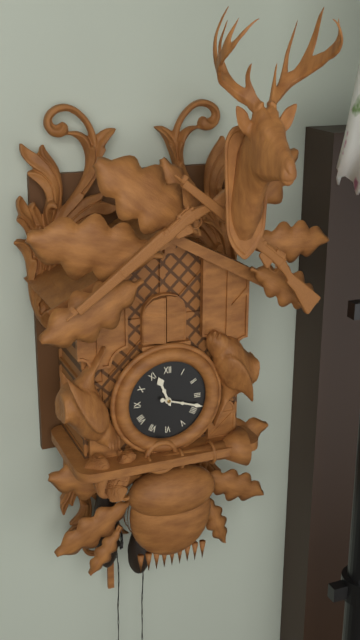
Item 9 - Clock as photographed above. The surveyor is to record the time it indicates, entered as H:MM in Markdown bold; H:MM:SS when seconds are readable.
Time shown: **11:18**
